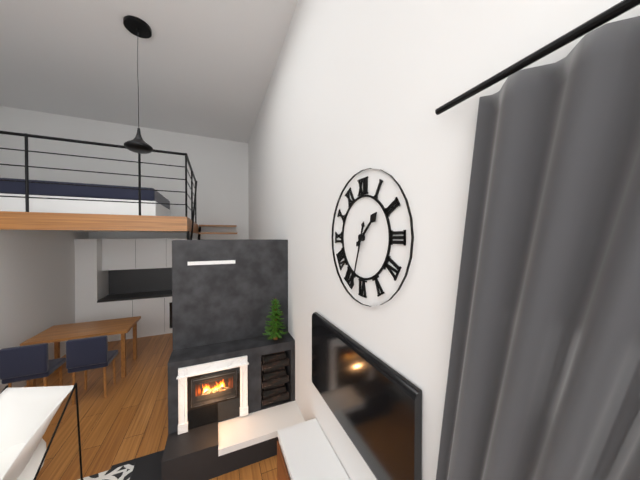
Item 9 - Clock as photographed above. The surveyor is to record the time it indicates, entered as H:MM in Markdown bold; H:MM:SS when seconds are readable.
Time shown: **1:33**
